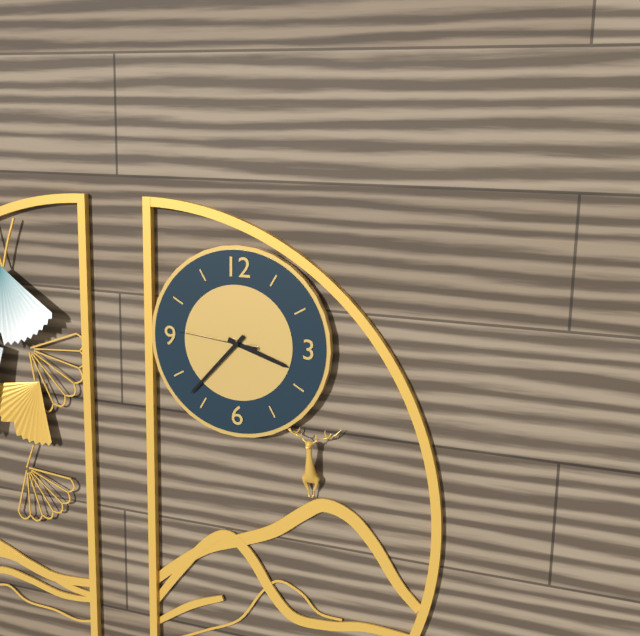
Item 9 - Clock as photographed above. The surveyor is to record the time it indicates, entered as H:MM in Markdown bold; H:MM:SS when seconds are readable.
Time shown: **3:37:46**
